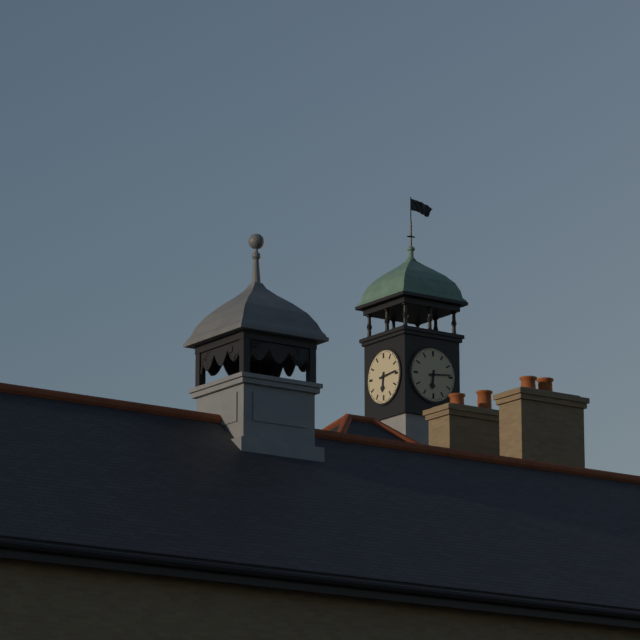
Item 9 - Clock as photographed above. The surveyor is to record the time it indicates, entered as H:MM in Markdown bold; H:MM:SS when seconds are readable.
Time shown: **6:14**
